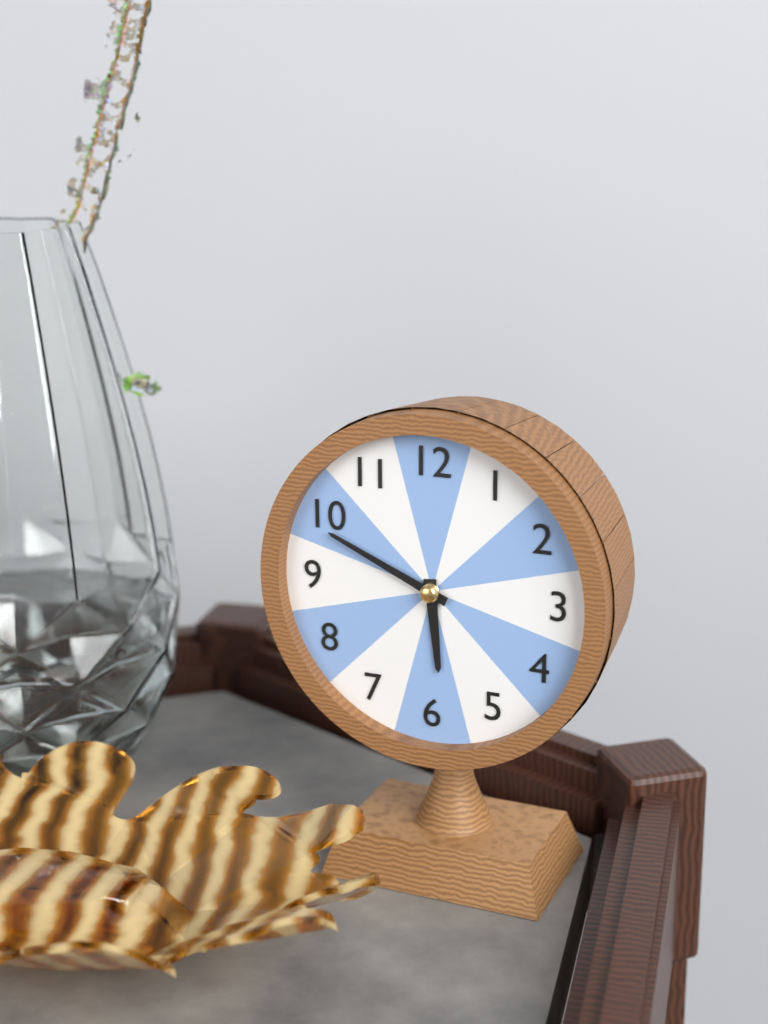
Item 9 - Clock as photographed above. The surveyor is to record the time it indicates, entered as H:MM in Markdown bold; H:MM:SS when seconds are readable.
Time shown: **5:49**
